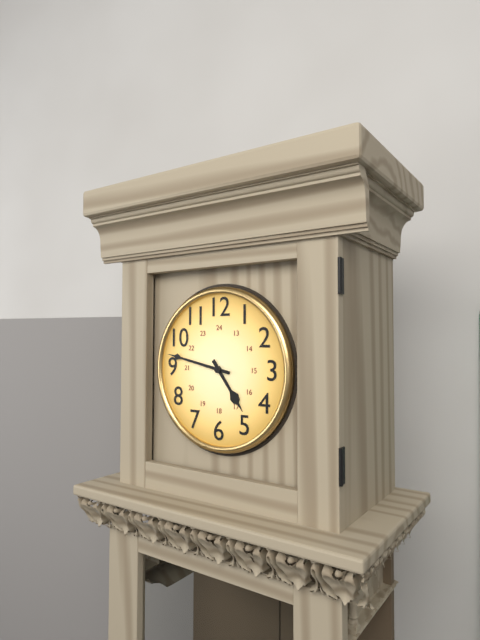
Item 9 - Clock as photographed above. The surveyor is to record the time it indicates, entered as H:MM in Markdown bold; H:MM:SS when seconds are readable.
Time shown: **4:47**
